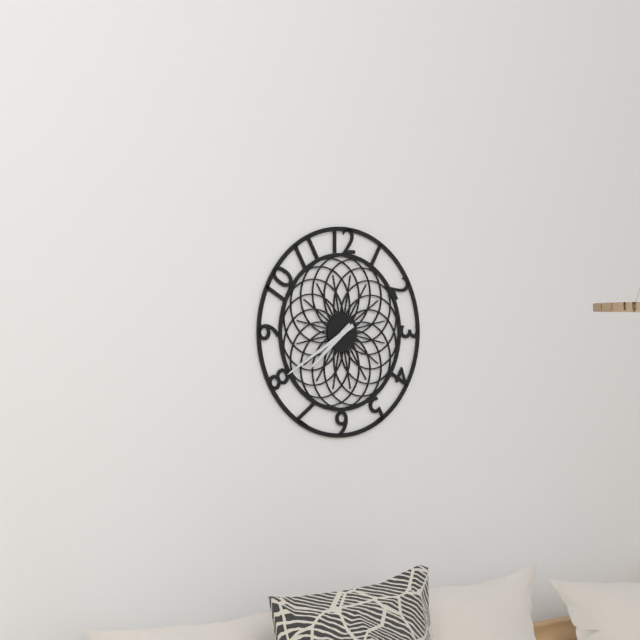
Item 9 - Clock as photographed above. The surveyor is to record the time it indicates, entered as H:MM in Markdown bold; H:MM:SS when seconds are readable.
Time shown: **7:40**
